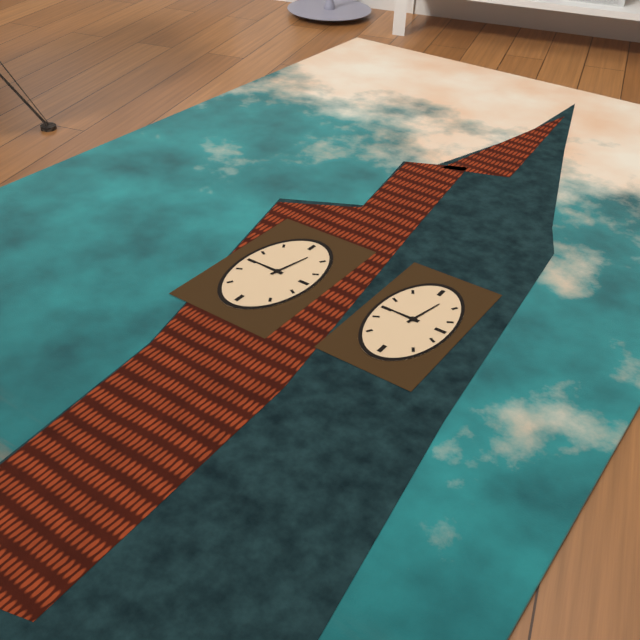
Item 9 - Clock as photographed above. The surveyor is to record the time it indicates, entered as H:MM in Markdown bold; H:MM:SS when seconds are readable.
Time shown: **9:02**
